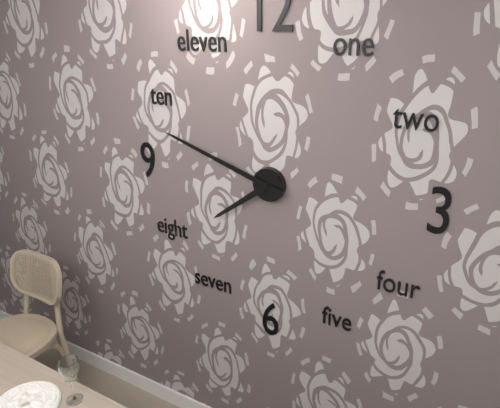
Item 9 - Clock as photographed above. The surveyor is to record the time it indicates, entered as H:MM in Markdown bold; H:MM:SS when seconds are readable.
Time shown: **7:48**
